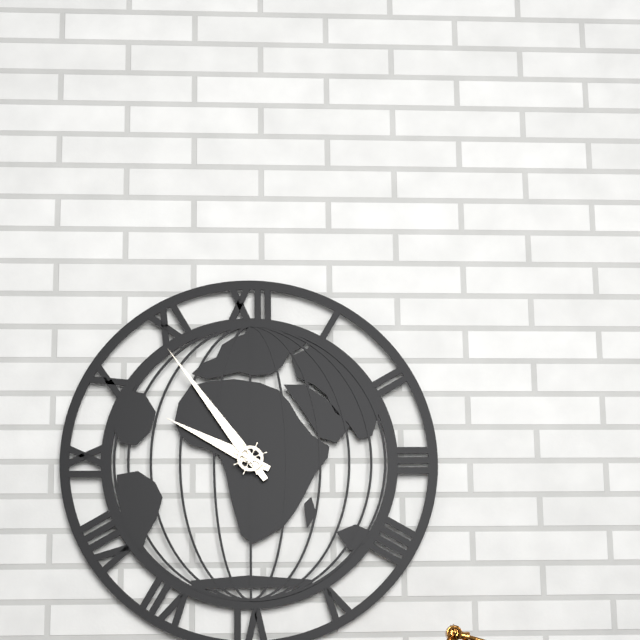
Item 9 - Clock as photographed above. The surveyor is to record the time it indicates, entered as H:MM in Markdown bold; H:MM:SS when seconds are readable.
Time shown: **9:54**
